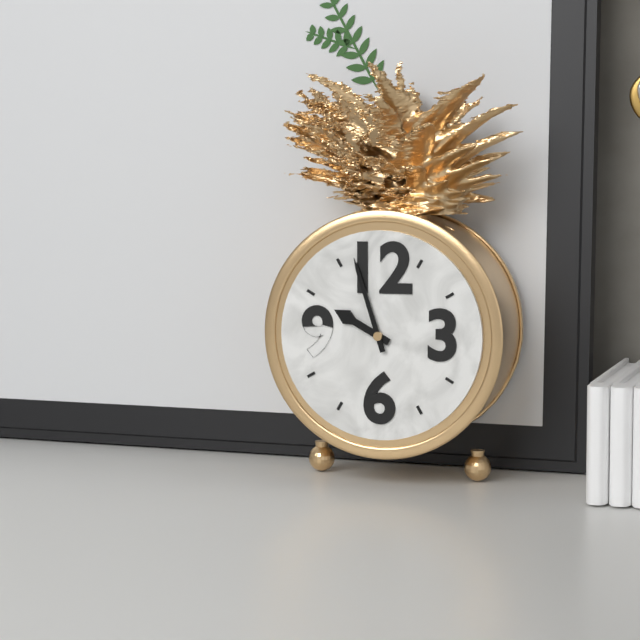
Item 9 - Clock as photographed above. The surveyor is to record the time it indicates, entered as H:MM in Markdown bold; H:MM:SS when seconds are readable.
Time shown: **9:57**
